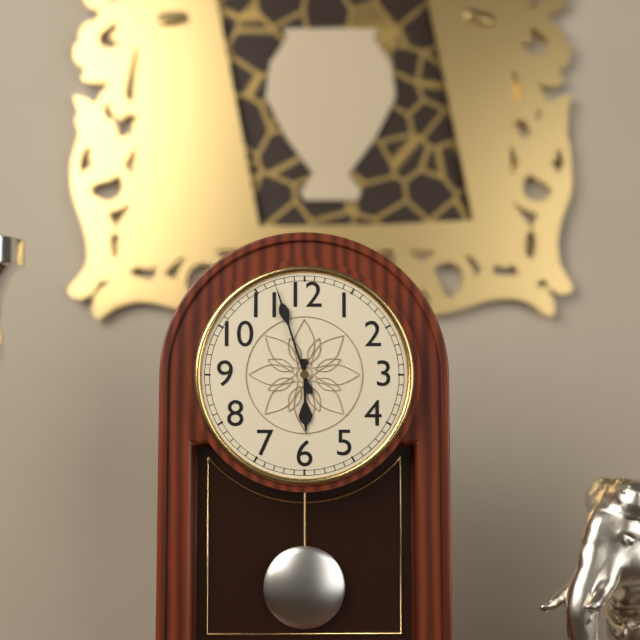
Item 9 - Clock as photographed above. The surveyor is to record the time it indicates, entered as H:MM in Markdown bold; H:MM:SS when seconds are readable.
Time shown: **5:57**
